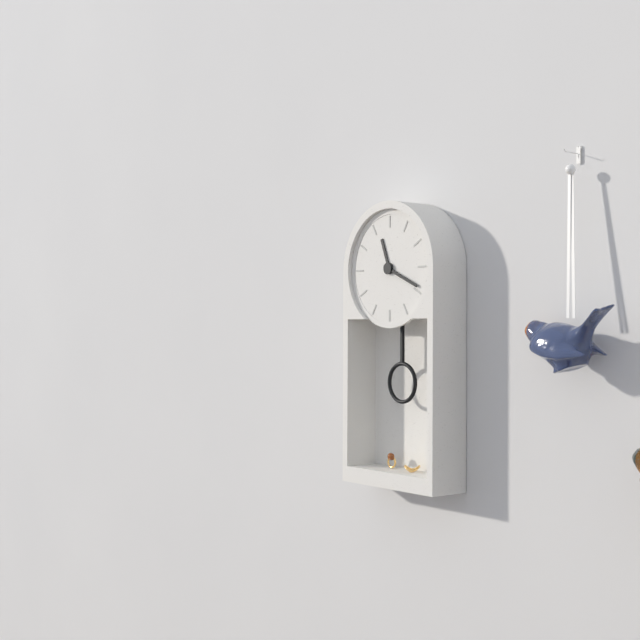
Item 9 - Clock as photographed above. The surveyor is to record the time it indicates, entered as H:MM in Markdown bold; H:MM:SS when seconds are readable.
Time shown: **11:19**
